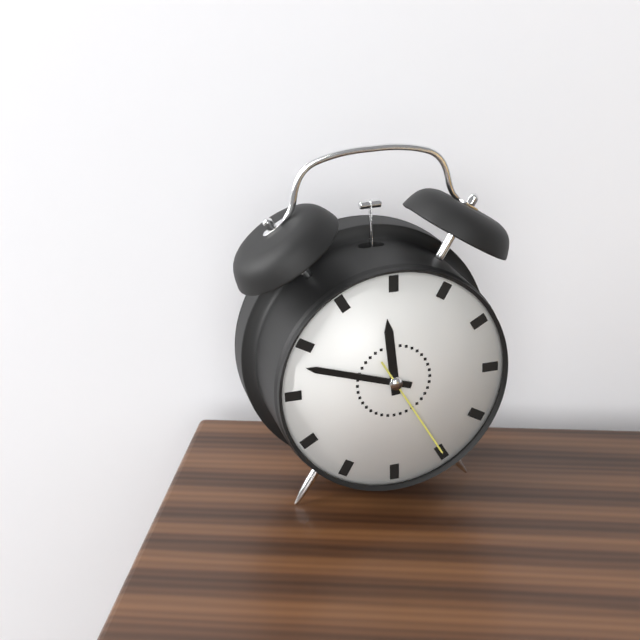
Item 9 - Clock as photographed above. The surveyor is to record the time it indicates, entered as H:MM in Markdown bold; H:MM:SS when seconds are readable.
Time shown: **11:48:25**
